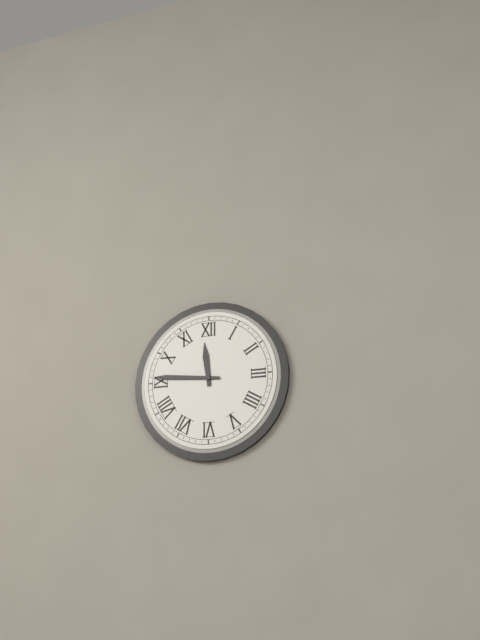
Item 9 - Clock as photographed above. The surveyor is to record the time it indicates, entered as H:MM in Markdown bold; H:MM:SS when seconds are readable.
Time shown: **11:46**
